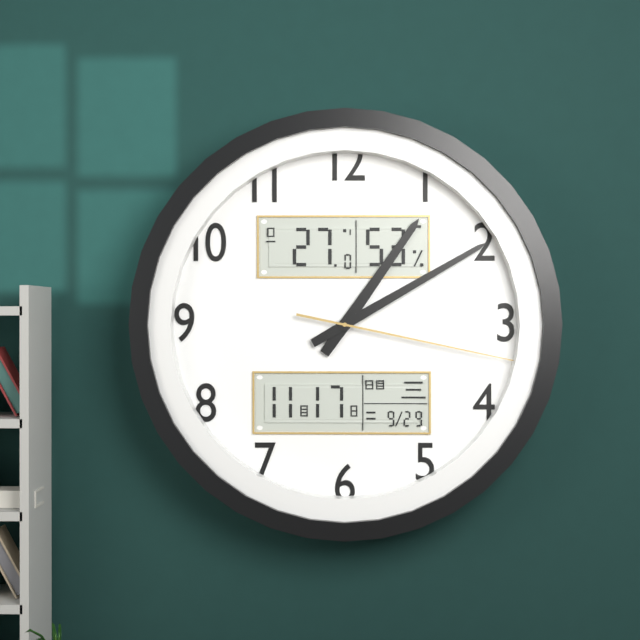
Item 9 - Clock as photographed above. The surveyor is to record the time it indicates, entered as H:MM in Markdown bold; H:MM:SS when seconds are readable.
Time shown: **1:10:17**
